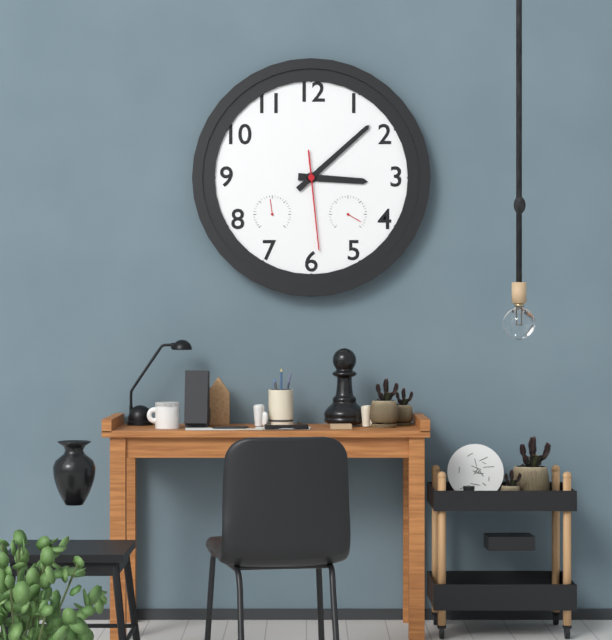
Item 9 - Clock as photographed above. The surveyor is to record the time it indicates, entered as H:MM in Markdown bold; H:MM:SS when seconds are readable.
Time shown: **3:08:29**
